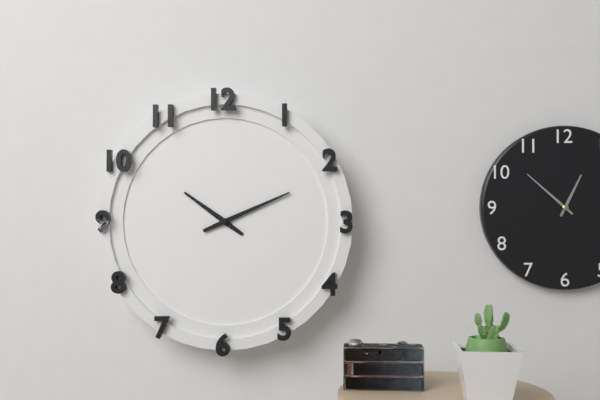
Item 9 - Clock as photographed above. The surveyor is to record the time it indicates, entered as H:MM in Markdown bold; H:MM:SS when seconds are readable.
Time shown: **10:11**
